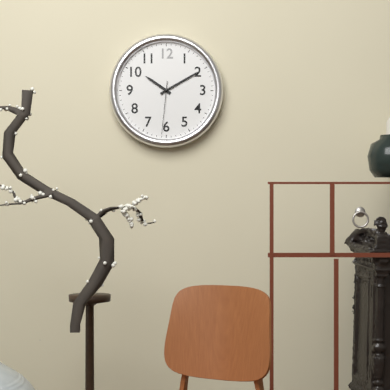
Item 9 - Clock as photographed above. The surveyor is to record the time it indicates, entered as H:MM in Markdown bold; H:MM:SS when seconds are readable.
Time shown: **10:10:31**
